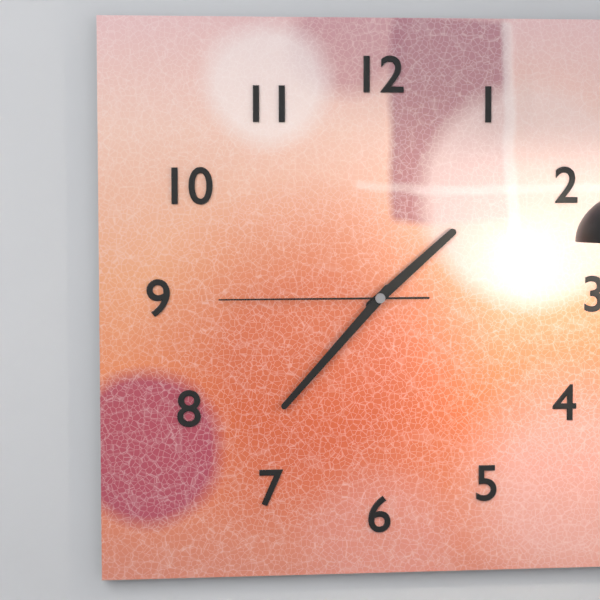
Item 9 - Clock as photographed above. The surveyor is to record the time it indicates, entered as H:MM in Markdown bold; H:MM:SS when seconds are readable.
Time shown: **1:37:45**
